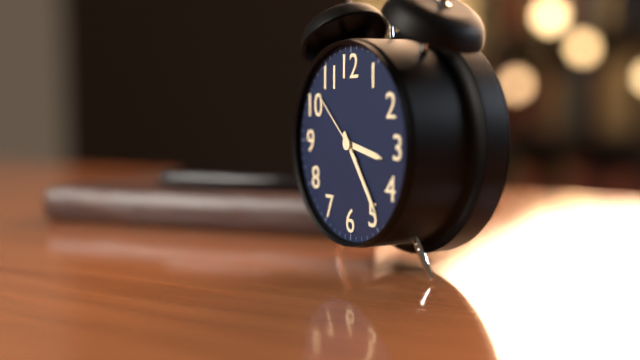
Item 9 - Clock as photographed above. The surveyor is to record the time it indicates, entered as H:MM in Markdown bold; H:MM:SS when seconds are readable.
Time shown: **3:24:52**
